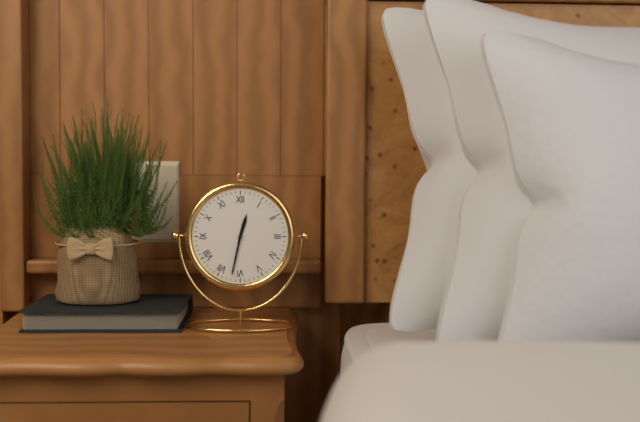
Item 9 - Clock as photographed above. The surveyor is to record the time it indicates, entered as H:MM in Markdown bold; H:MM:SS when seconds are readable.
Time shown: **12:32**
